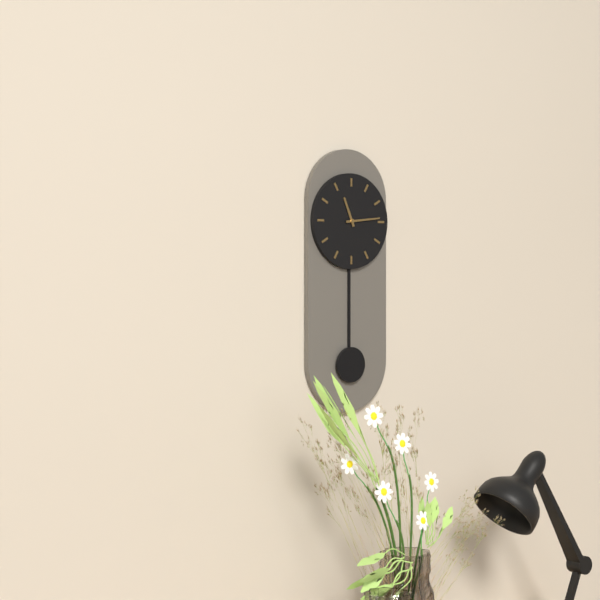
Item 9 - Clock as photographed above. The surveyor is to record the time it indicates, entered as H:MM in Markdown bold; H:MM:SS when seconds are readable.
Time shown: **11:14**
